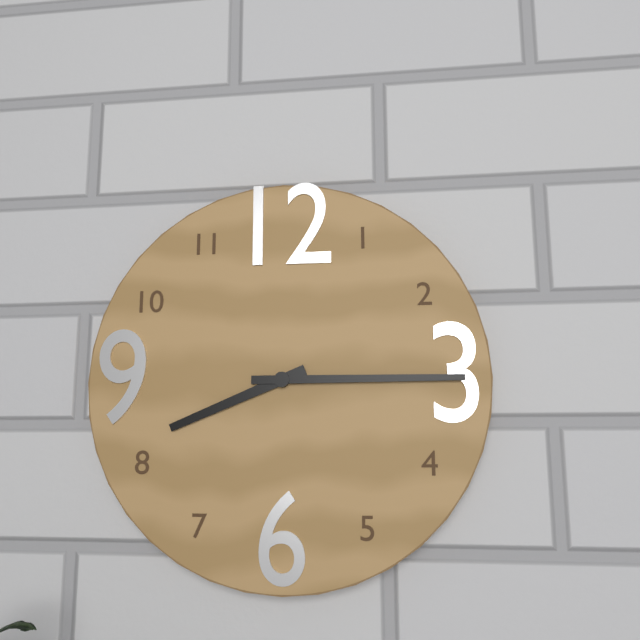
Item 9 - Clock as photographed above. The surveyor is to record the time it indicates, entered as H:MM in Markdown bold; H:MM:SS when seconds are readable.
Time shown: **8:15**
